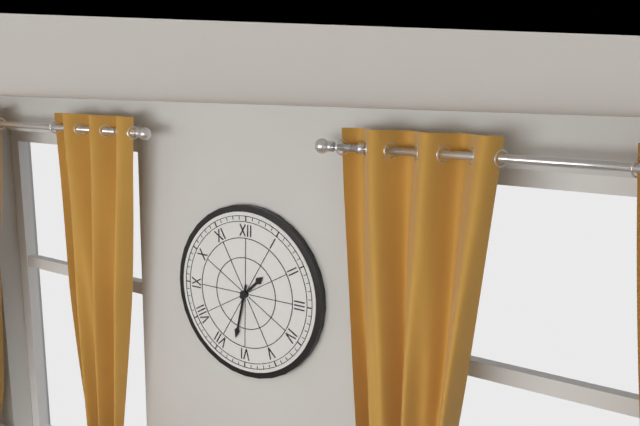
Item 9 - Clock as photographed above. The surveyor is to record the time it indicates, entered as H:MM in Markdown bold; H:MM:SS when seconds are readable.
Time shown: **1:32**
